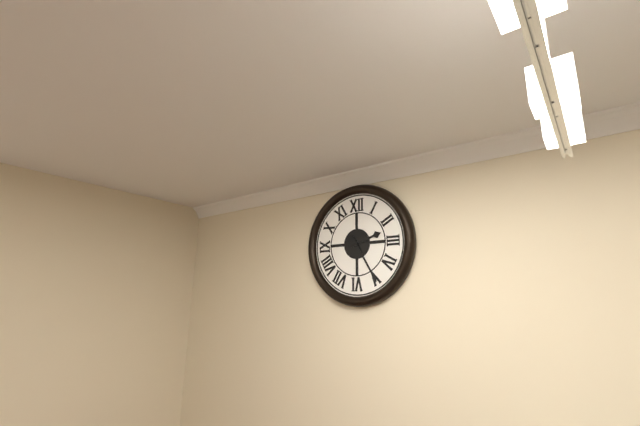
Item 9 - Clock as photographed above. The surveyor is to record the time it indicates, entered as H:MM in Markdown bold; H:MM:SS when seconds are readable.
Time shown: **2:25**
